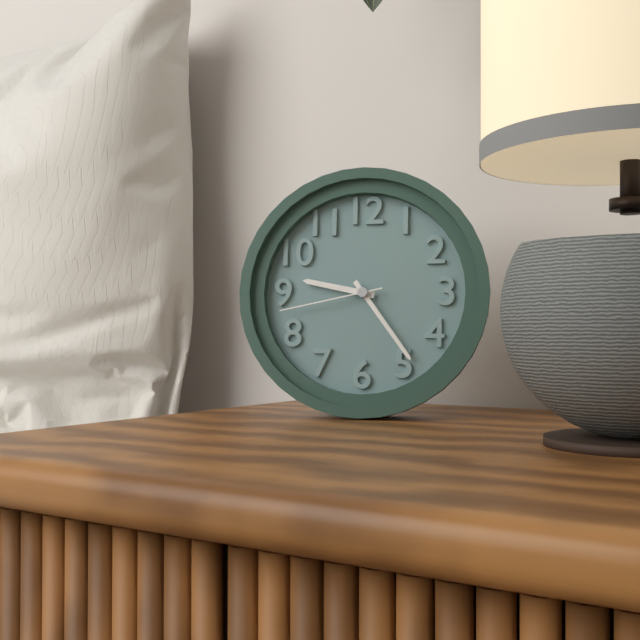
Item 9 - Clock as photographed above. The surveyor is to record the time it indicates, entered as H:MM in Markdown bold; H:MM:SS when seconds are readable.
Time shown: **9:24:43**
